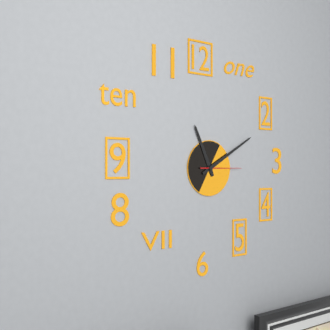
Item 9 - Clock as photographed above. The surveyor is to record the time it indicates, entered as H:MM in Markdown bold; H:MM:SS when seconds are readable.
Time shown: **11:10**
